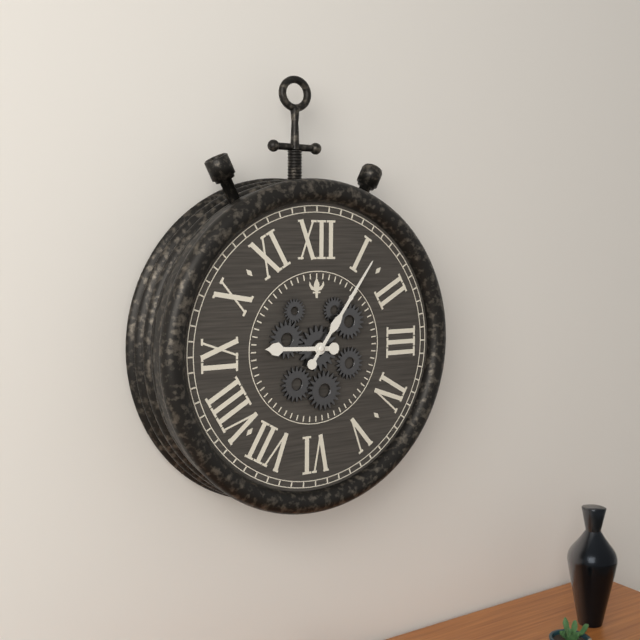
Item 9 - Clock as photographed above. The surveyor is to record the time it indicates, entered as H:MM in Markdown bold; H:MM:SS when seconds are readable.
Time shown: **9:06**
